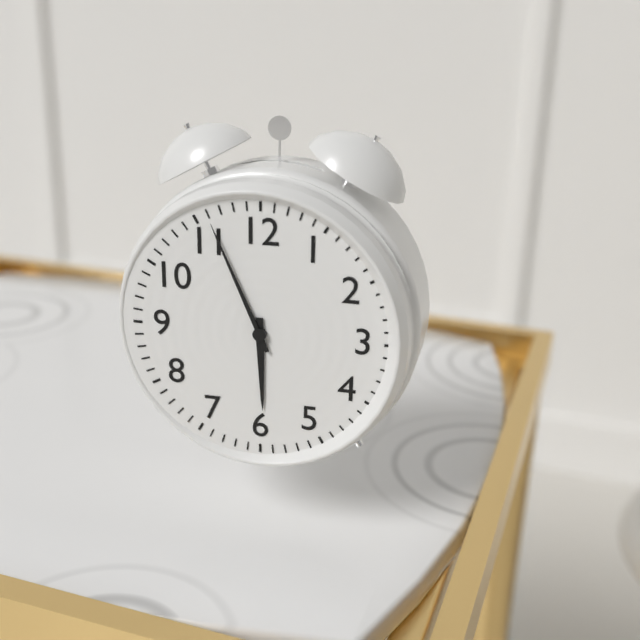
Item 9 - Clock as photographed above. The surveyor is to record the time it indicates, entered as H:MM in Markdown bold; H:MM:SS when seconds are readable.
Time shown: **5:56**
